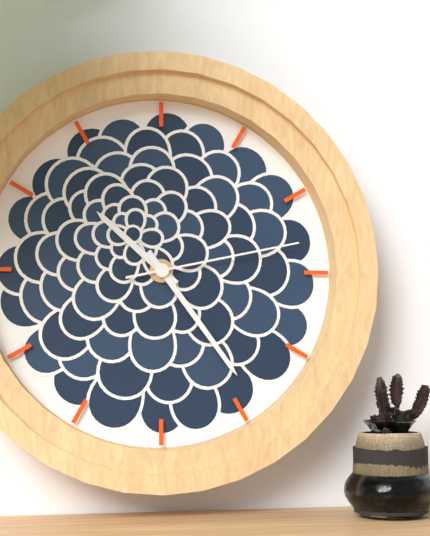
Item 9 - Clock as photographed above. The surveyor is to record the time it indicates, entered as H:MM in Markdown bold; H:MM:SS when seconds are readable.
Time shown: **10:24:13**
